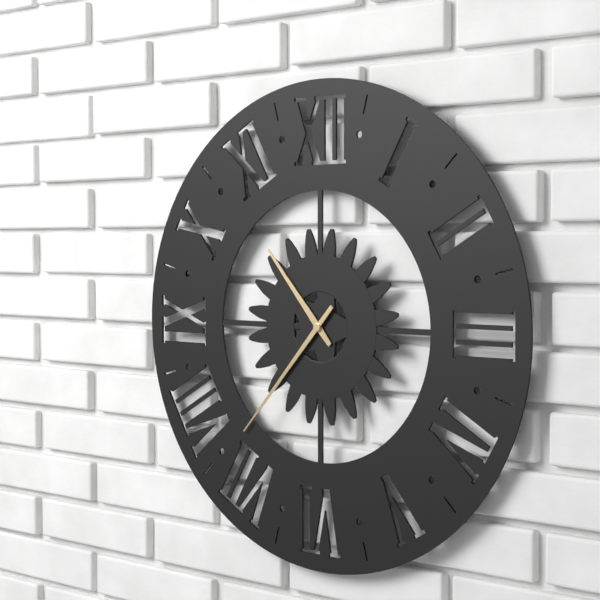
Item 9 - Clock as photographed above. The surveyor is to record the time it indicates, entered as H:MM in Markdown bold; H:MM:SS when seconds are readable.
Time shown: **10:37**
